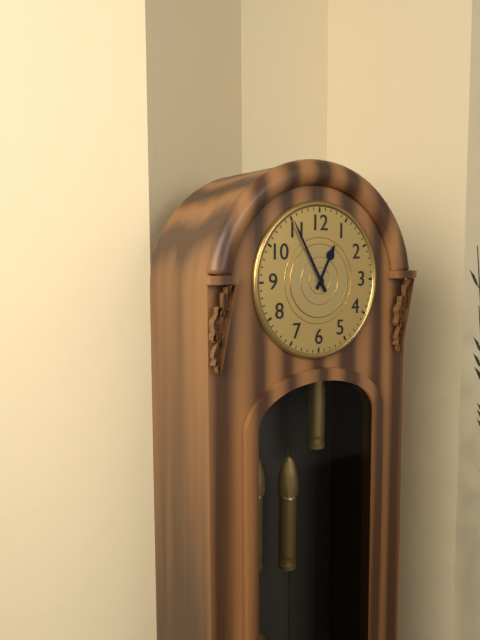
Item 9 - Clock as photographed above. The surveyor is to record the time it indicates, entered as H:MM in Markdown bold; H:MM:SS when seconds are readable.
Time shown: **12:55**
